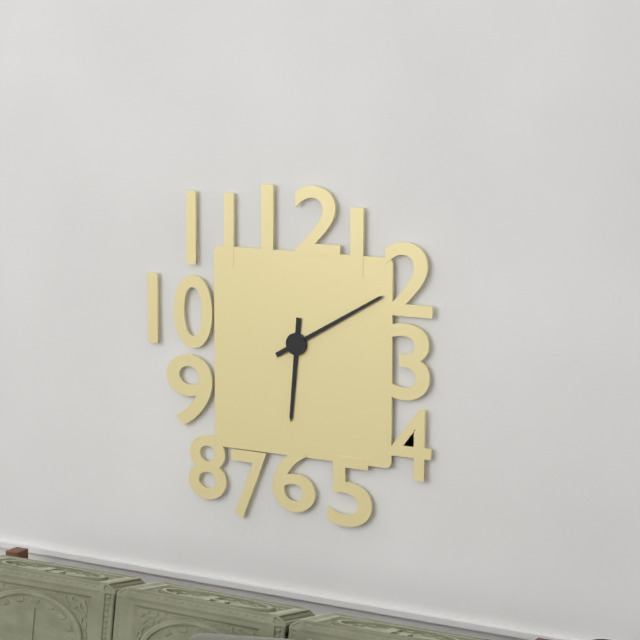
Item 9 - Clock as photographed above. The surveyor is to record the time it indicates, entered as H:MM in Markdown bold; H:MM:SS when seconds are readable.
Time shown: **6:10**
